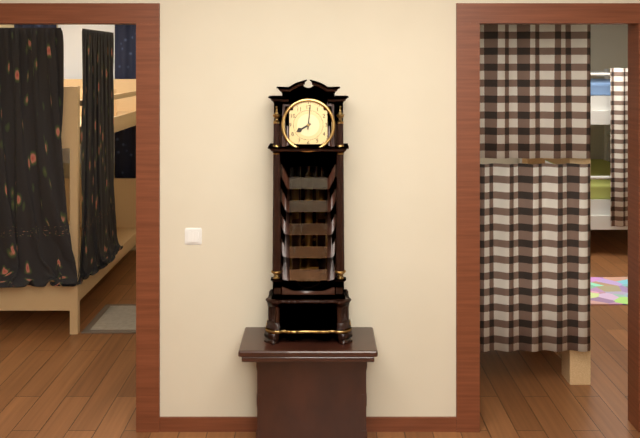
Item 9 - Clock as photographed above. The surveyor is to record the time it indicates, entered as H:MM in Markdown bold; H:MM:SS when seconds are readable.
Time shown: **8:01**
